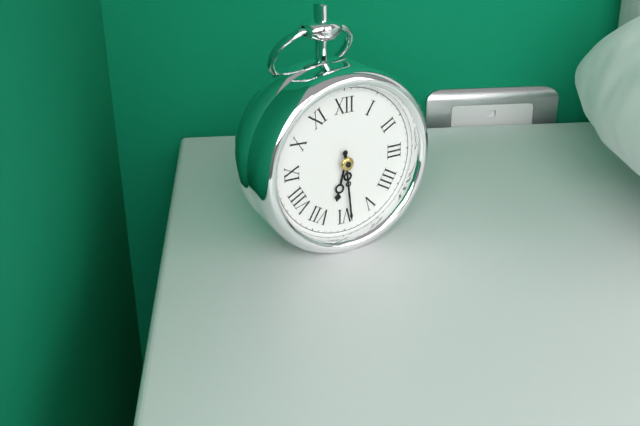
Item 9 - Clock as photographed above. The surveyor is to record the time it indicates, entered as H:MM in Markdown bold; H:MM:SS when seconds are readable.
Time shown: **6:29**
